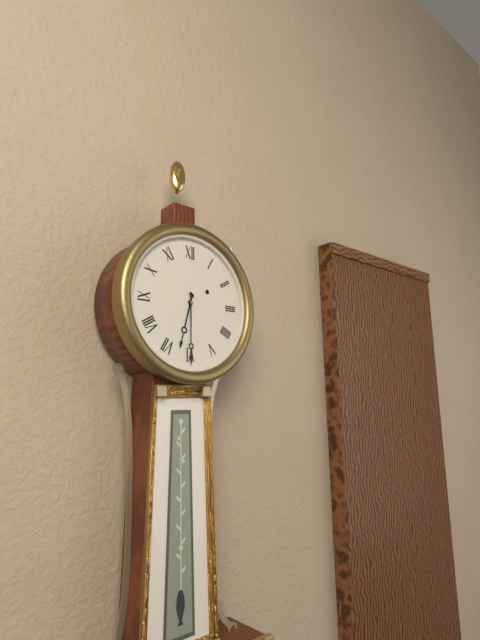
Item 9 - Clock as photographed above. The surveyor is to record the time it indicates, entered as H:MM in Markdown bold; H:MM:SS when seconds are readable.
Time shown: **6:30**
